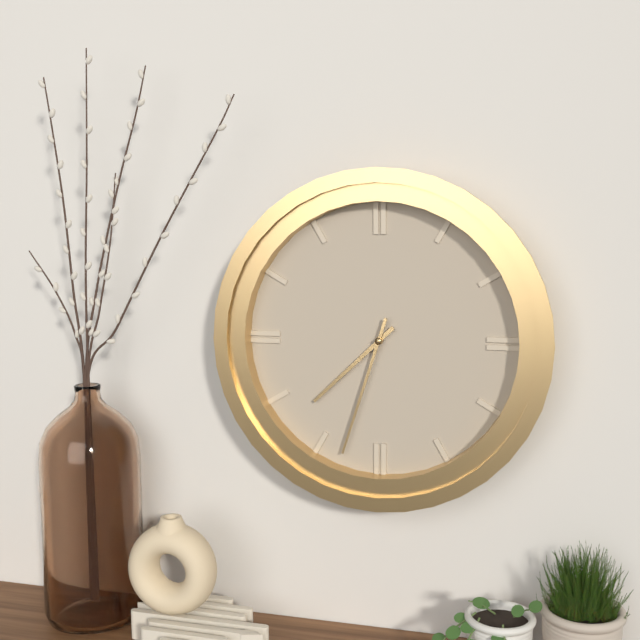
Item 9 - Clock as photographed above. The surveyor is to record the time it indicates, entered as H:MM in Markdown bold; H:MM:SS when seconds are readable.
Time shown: **7:33**
